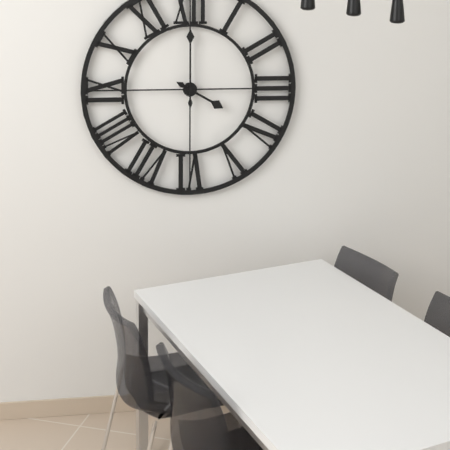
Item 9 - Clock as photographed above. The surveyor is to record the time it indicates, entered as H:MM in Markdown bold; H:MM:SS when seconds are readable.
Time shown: **4:00**
